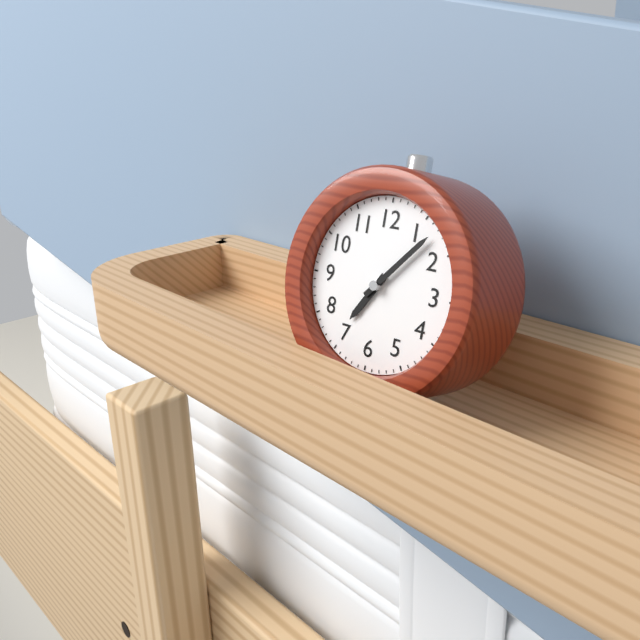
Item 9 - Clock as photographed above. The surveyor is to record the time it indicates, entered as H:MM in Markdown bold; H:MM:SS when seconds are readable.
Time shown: **7:07**
